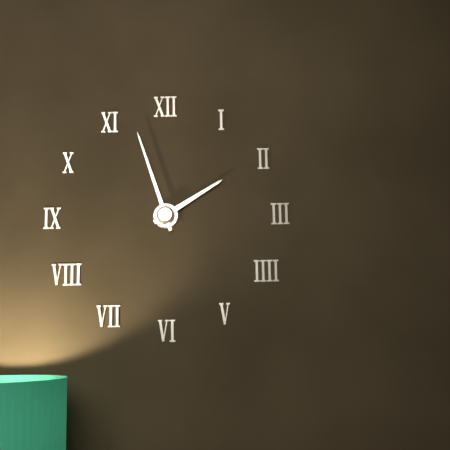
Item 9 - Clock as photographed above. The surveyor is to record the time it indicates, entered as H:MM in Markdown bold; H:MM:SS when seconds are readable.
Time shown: **1:57**
